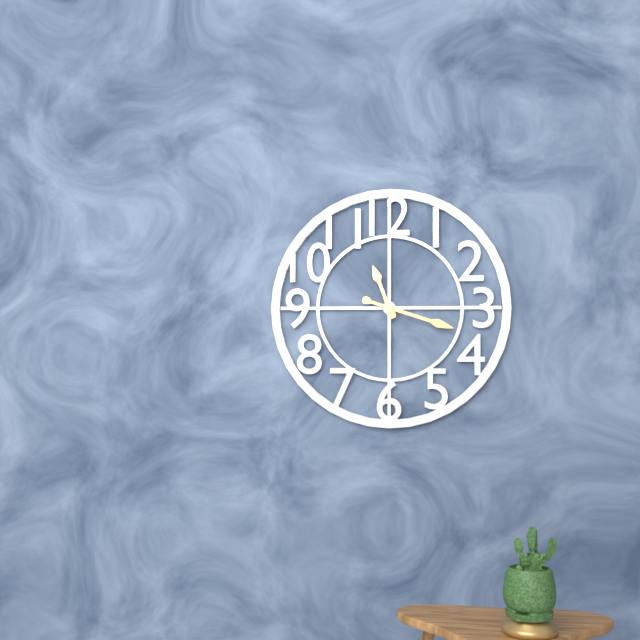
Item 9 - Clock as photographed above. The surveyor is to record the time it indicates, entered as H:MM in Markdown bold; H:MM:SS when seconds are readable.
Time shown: **11:18**
